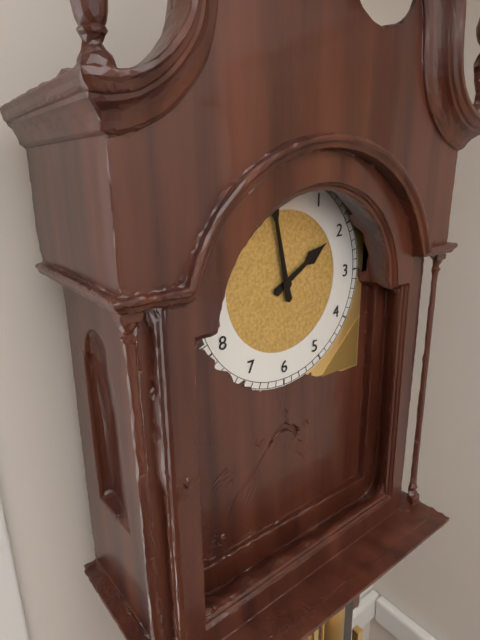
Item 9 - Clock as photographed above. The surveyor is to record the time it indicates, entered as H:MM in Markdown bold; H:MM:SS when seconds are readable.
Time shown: **1:58**
